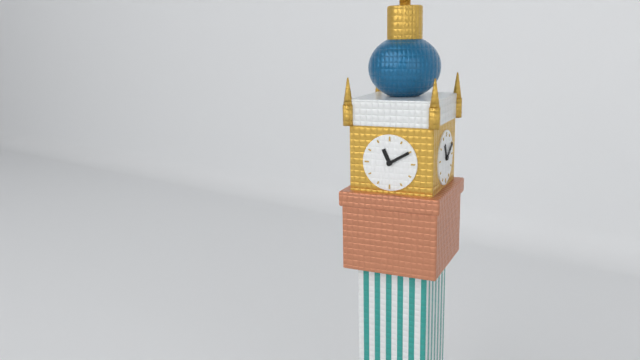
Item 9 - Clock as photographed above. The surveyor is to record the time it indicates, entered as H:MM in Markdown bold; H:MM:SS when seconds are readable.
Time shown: **11:10**
